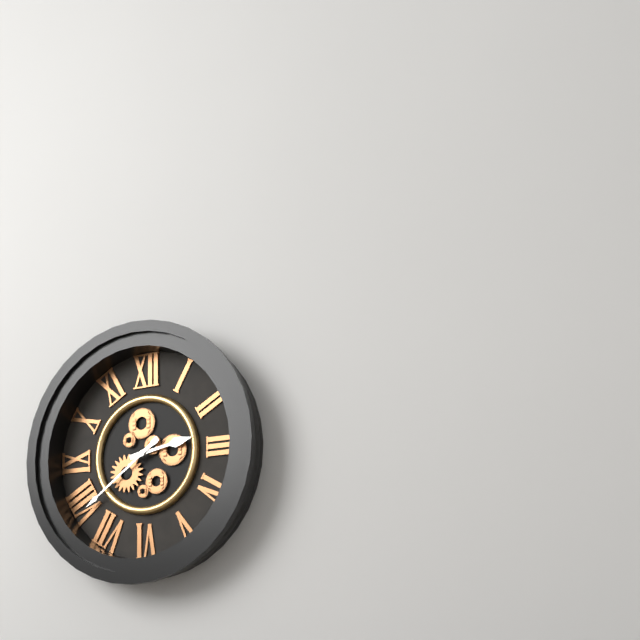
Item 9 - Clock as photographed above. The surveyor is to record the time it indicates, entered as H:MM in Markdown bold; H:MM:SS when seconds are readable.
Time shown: **2:39**
